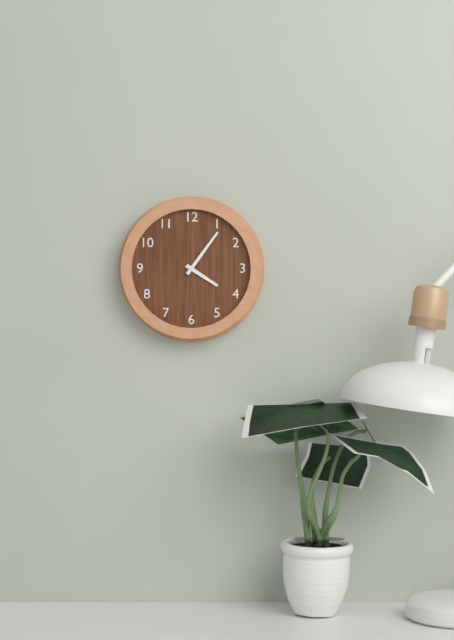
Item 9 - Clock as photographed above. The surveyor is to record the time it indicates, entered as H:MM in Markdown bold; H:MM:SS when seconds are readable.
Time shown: **4:06**
